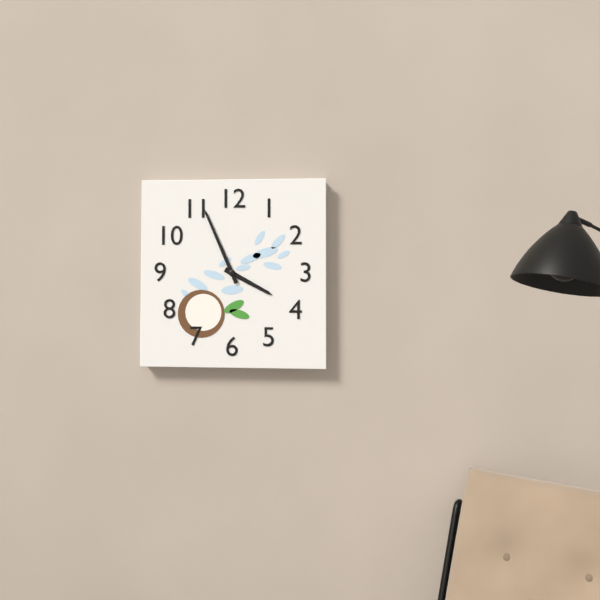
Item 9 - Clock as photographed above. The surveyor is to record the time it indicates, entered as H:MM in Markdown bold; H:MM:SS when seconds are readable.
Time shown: **3:56**
